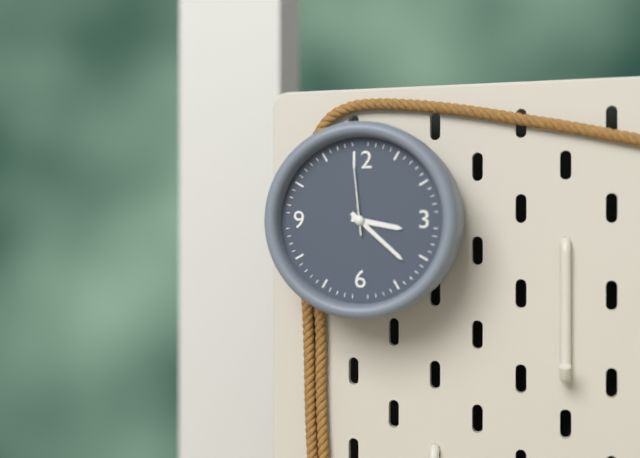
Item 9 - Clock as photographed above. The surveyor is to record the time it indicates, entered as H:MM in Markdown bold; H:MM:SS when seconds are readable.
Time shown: **3:22:59**
